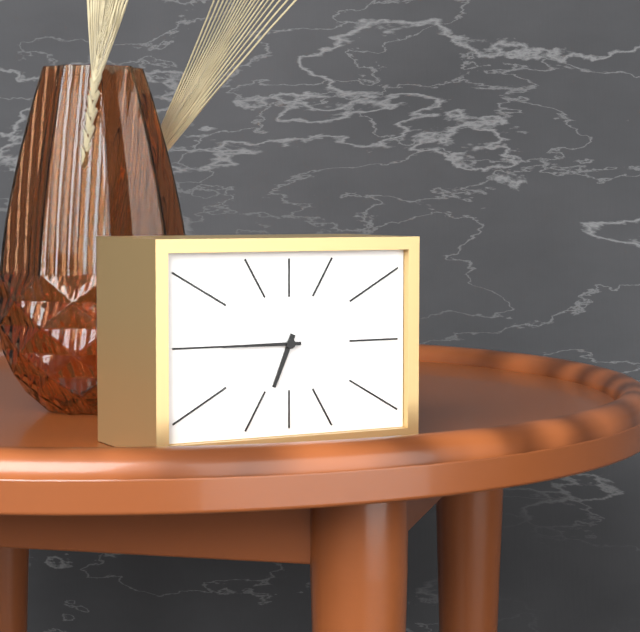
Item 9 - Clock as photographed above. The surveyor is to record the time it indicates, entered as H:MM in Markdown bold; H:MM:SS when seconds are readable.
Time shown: **6:45**
